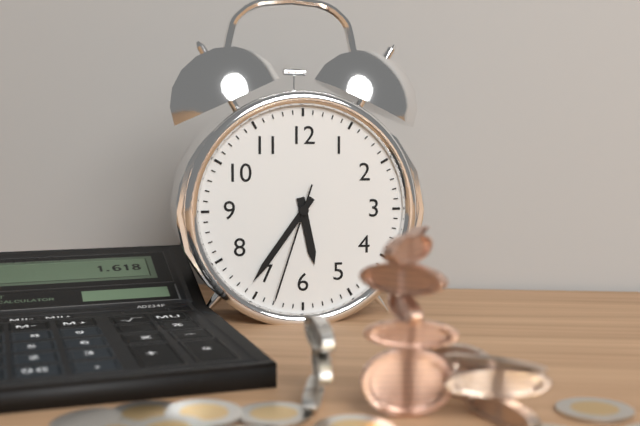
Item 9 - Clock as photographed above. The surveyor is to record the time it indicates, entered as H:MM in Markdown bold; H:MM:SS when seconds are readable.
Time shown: **5:36:33**
